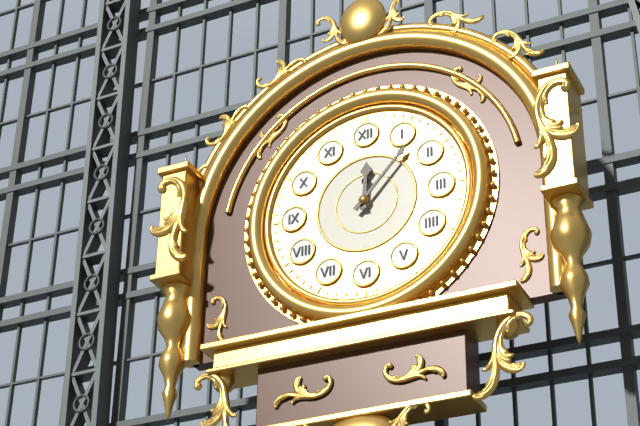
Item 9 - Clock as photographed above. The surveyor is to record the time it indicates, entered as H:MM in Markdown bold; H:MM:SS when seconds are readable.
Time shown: **12:07**
